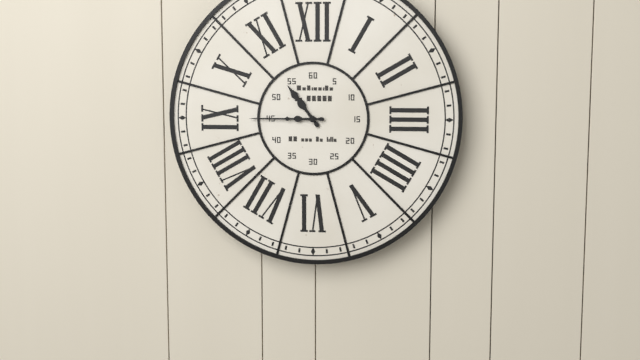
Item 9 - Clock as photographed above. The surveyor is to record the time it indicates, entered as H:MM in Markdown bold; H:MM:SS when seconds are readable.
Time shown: **10:45**
